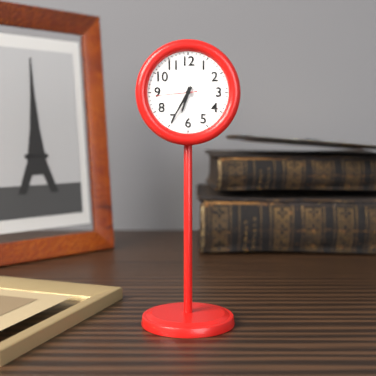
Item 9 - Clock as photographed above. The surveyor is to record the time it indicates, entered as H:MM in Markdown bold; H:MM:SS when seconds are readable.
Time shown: **6:35**
